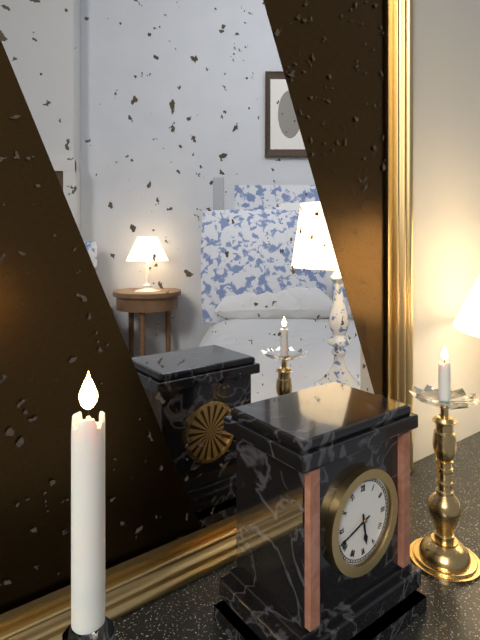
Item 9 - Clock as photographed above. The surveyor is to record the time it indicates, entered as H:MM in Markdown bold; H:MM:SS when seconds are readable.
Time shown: **5:42**
